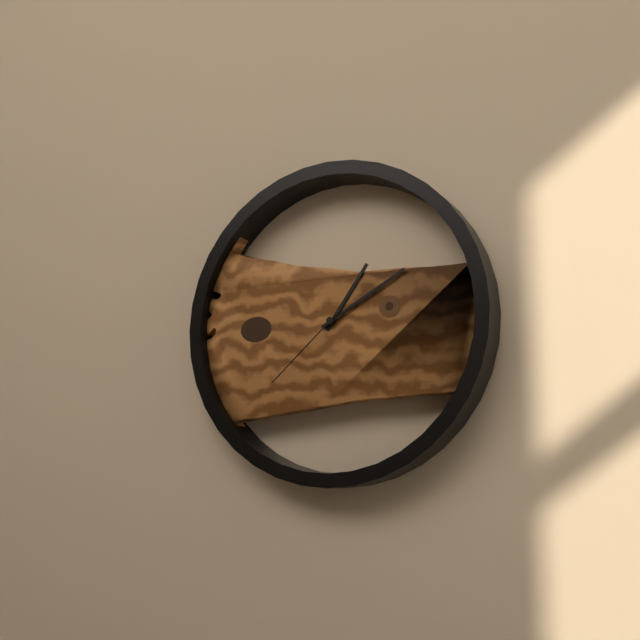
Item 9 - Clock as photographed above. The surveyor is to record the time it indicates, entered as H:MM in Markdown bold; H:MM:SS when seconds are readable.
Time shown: **1:10:38**
